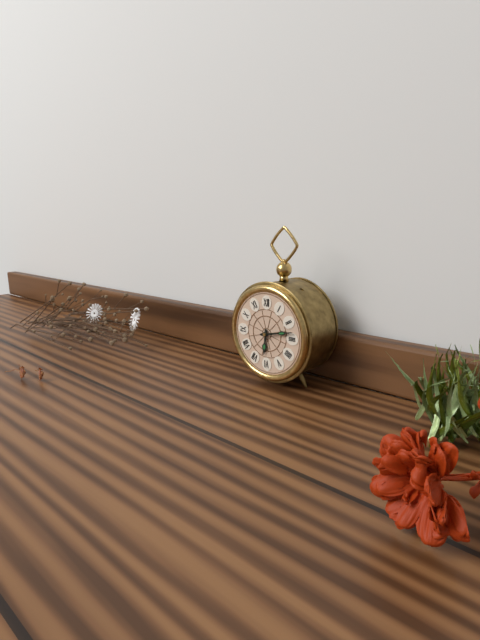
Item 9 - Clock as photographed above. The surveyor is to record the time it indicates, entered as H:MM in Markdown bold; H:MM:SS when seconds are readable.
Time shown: **6:13**
